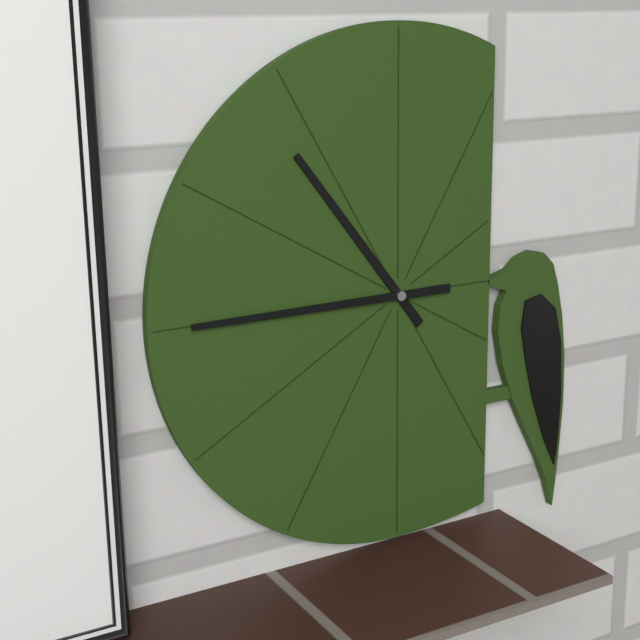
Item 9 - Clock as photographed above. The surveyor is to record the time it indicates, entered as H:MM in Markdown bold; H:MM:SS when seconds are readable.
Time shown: **10:45**
